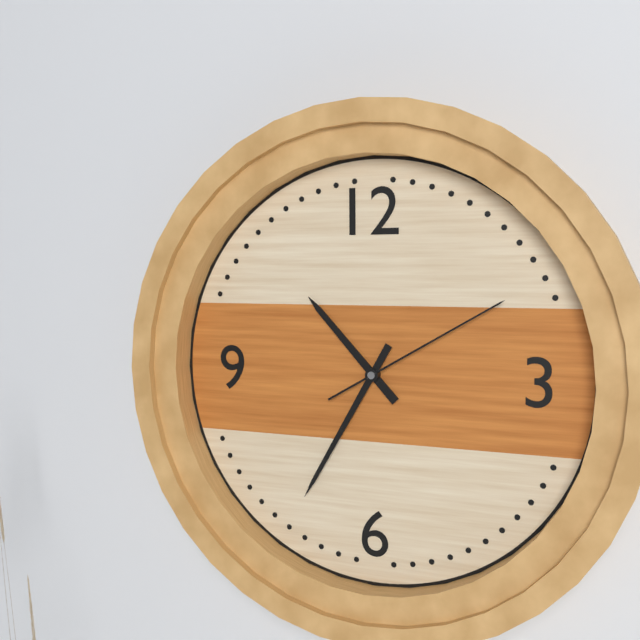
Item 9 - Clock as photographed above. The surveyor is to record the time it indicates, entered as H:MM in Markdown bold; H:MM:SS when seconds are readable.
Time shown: **10:35:10**
